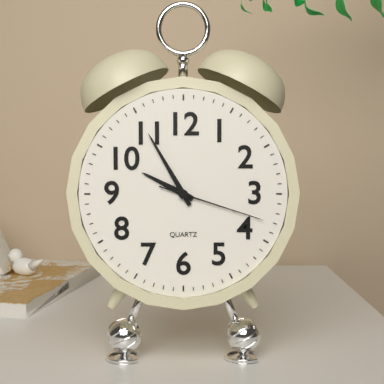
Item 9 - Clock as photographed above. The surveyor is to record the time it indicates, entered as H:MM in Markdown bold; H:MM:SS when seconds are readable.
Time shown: **9:55:18**
